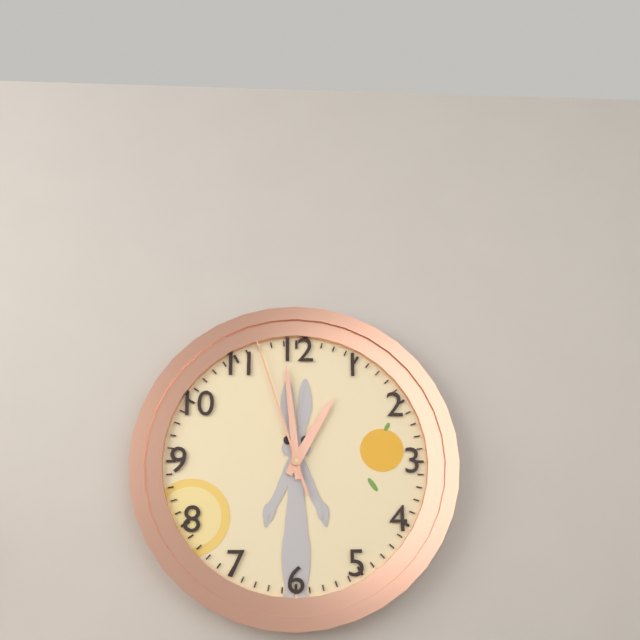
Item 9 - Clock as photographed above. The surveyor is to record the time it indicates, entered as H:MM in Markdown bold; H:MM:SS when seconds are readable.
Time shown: **12:59:57**
